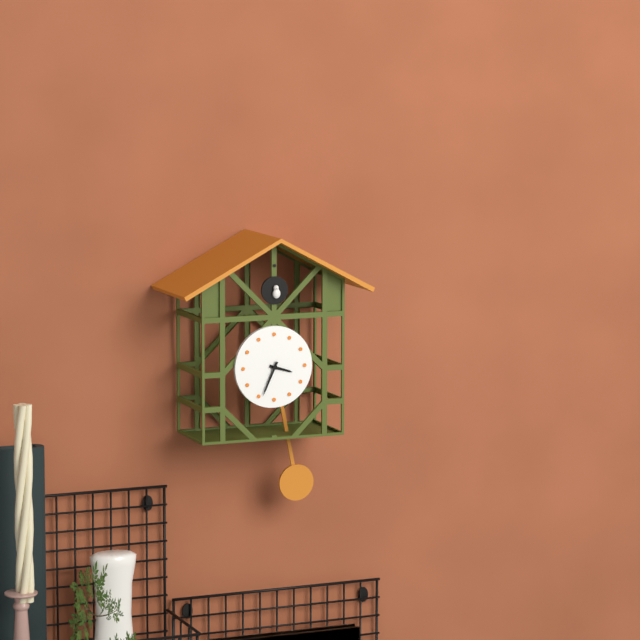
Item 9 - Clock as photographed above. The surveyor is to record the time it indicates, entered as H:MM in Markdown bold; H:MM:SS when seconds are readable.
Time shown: **3:34**
